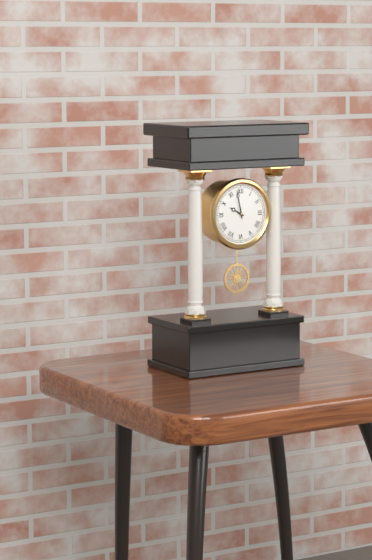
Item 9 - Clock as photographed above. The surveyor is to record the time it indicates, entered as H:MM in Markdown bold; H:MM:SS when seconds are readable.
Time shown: **9:58**
